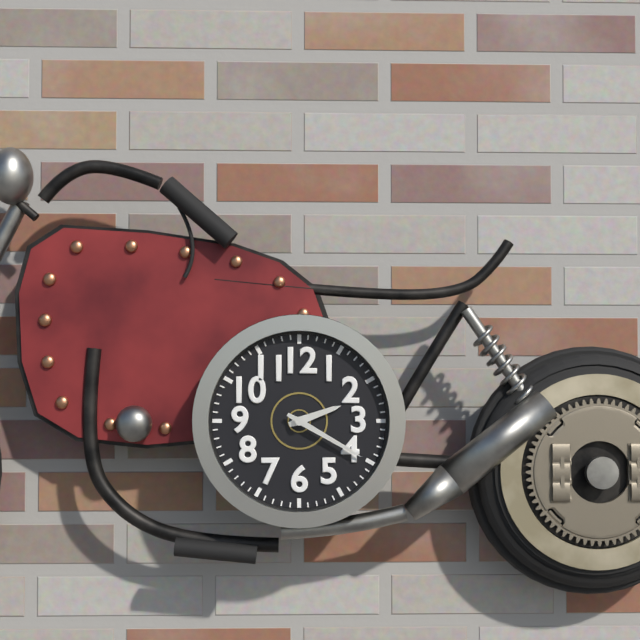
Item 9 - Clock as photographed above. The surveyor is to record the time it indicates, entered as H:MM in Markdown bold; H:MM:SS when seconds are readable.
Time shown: **2:20**
